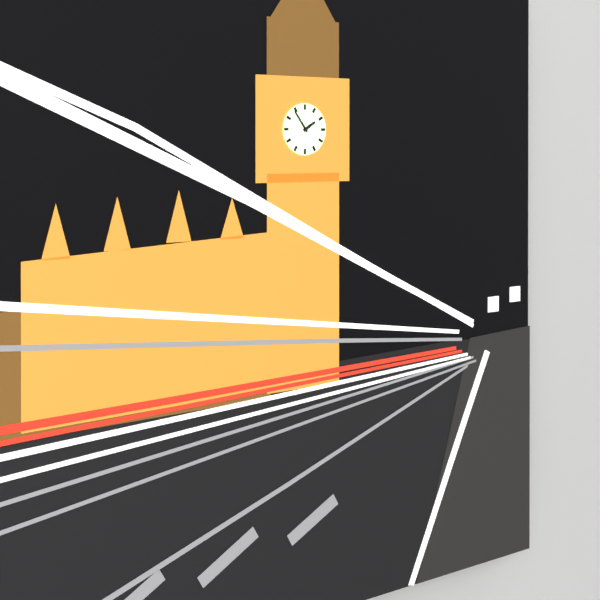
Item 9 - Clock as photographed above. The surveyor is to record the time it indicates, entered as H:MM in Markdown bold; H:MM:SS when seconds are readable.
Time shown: **1:54**
